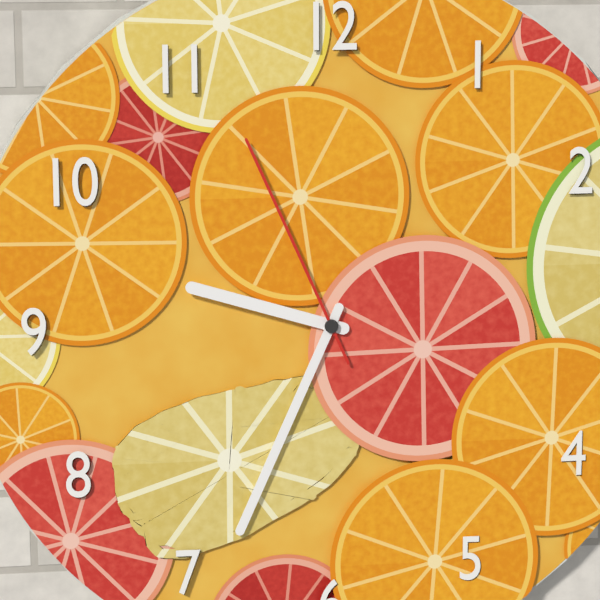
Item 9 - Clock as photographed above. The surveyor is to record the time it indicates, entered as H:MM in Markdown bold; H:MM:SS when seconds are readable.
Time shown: **9:34:56**
